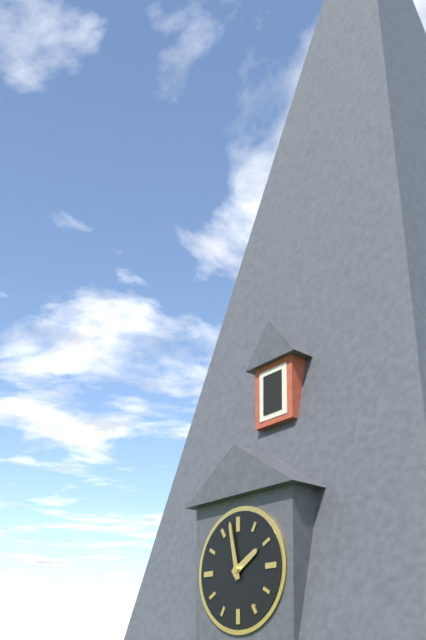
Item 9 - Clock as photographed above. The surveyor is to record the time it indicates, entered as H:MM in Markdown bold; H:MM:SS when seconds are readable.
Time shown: **1:58**
